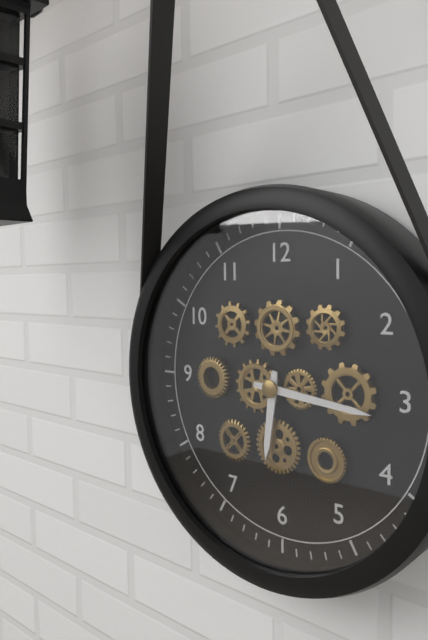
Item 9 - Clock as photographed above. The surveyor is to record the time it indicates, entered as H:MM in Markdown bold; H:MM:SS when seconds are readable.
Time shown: **6:16**
